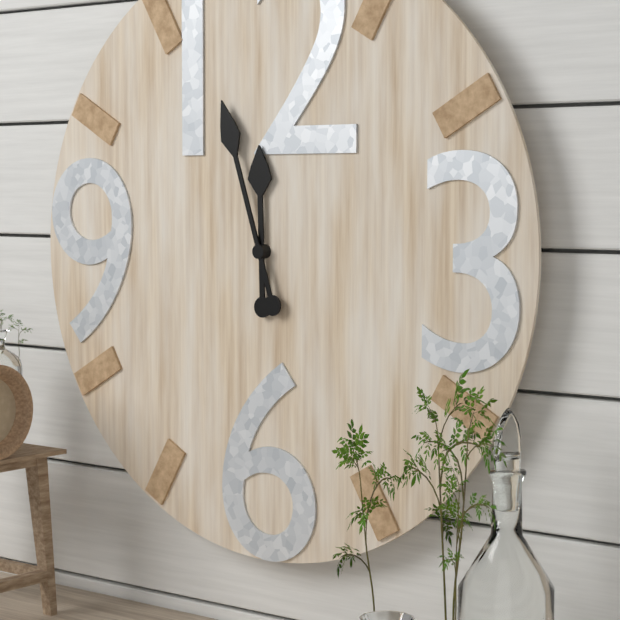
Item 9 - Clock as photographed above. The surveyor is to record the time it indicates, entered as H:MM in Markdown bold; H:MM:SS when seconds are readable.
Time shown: **11:57**
